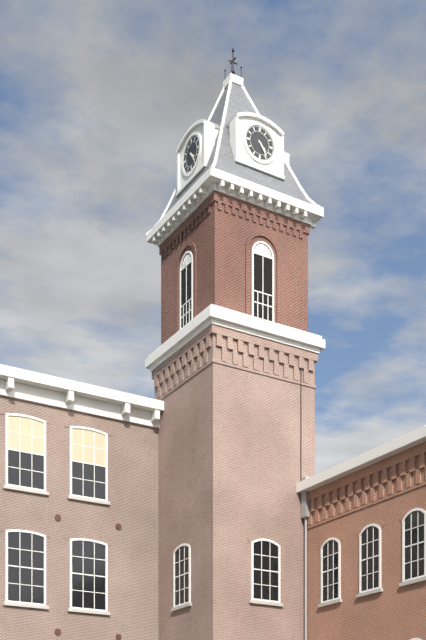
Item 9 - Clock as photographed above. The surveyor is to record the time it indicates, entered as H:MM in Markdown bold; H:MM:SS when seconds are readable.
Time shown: **4:24**
